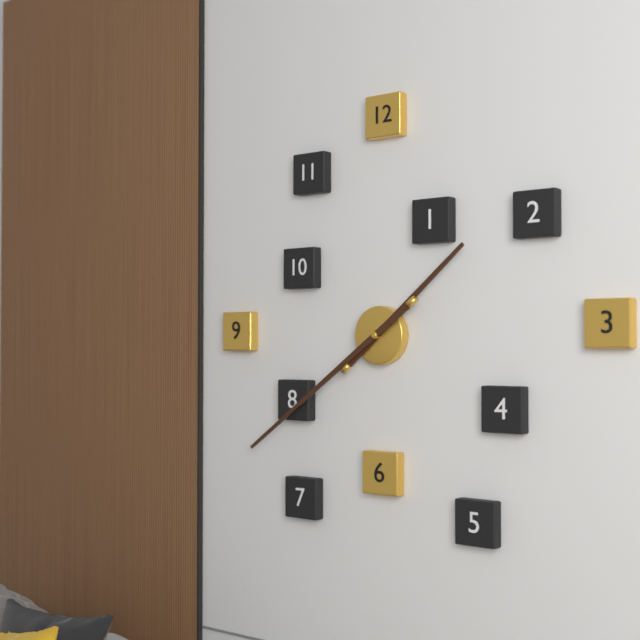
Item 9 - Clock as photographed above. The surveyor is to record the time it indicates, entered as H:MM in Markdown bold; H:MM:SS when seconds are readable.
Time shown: **1:39**
